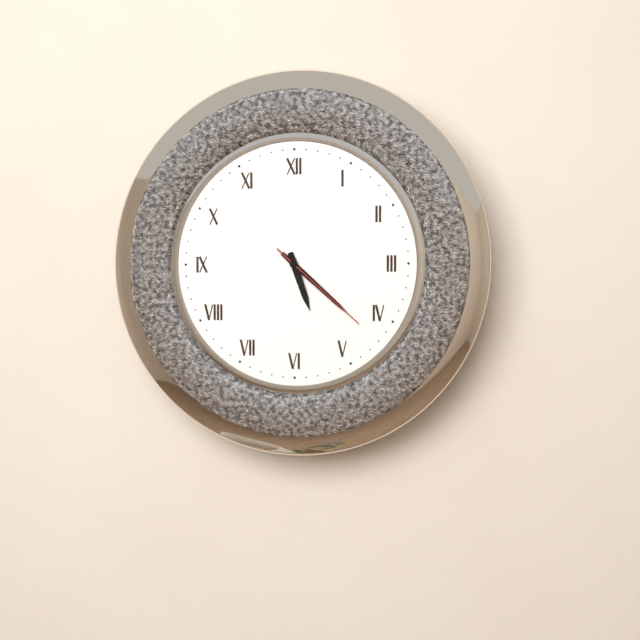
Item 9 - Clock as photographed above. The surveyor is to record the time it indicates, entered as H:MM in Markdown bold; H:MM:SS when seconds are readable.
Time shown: **5:22:22**
